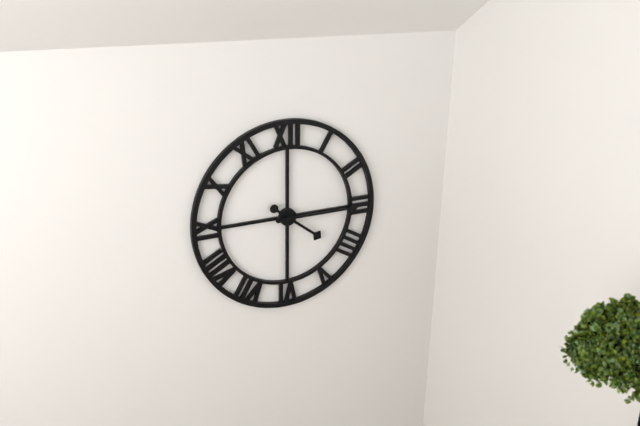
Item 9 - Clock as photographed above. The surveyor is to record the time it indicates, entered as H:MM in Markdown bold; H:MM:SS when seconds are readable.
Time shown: **4:15**
